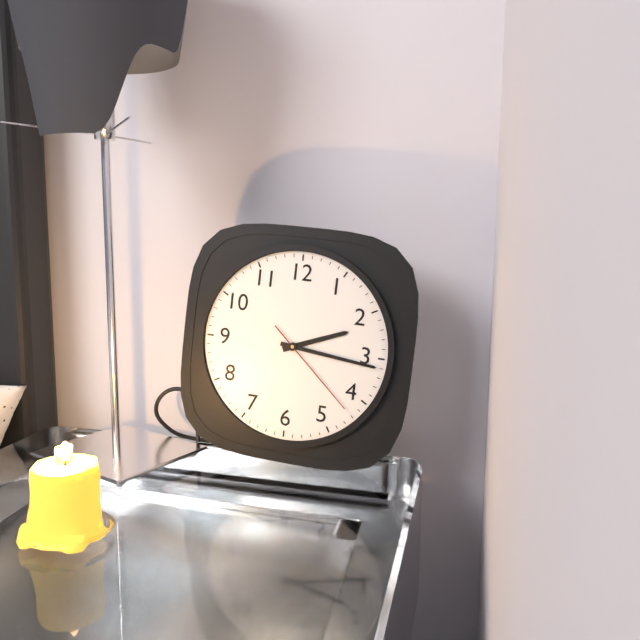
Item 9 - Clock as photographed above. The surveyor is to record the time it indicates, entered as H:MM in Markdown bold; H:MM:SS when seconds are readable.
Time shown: **2:16:22**
